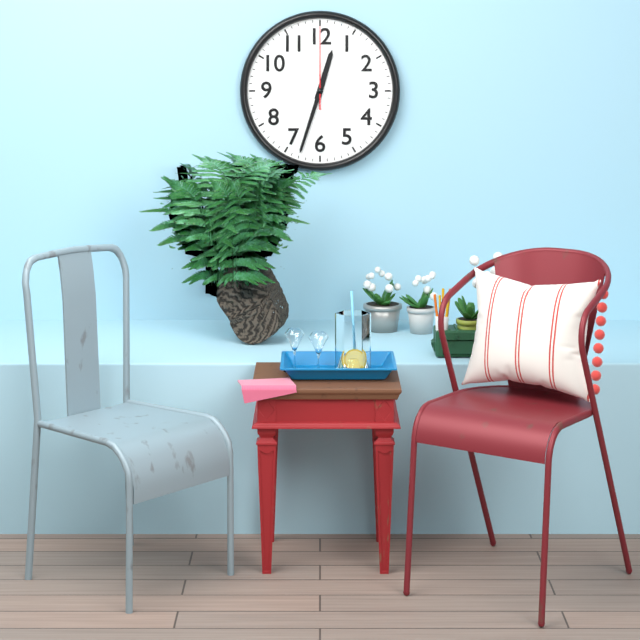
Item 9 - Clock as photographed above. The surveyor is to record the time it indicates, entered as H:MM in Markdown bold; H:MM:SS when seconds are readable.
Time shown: **12:33:00**
